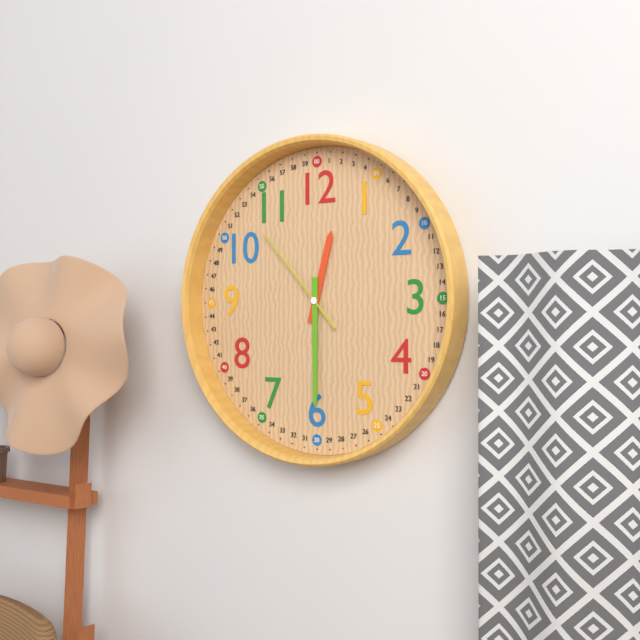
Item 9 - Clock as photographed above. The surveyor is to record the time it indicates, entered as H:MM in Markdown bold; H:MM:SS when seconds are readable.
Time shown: **12:30:53**
